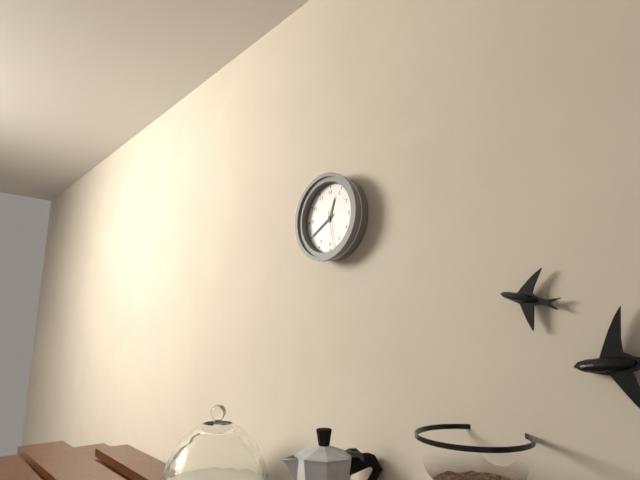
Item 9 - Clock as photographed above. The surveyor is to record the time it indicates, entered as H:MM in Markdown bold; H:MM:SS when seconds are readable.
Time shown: **12:40**
